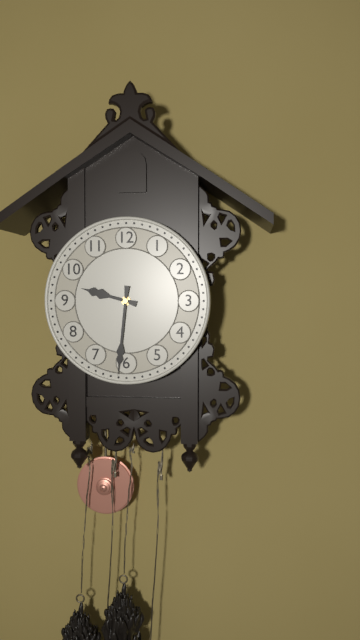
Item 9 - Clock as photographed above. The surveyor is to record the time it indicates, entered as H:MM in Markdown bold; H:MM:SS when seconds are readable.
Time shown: **9:31**
